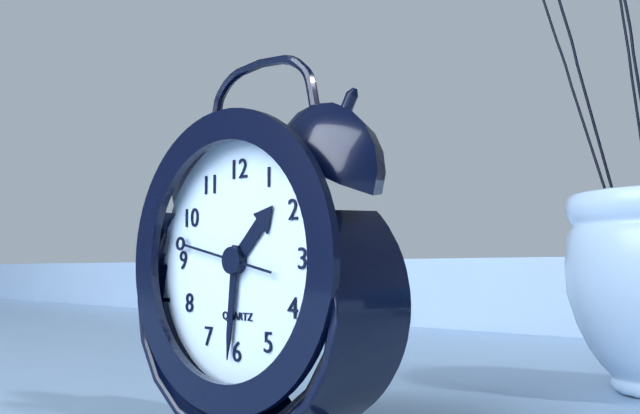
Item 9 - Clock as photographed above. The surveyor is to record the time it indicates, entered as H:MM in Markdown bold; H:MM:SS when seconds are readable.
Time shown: **1:31:47**
